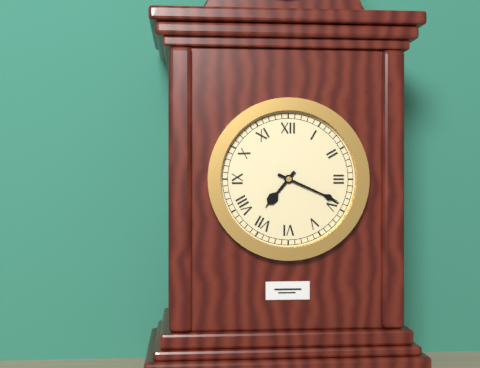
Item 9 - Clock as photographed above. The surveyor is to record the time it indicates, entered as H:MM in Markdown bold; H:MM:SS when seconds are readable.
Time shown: **7:19**
